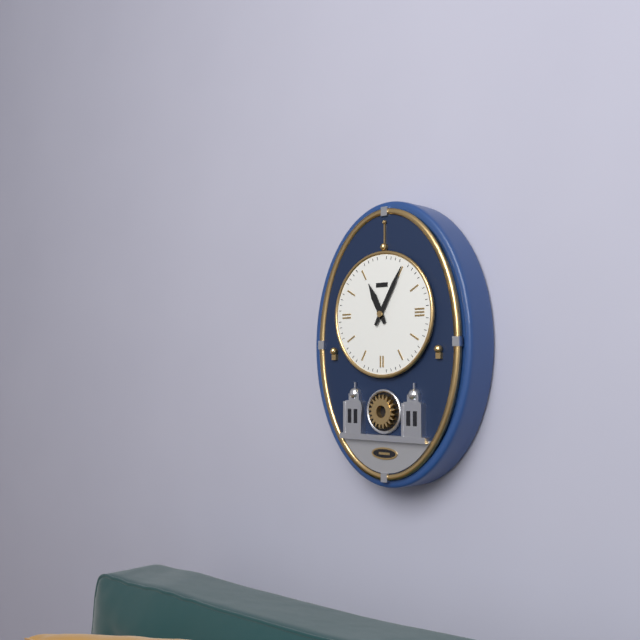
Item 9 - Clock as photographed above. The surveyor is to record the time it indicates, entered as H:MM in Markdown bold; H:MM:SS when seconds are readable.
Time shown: **11:05**
